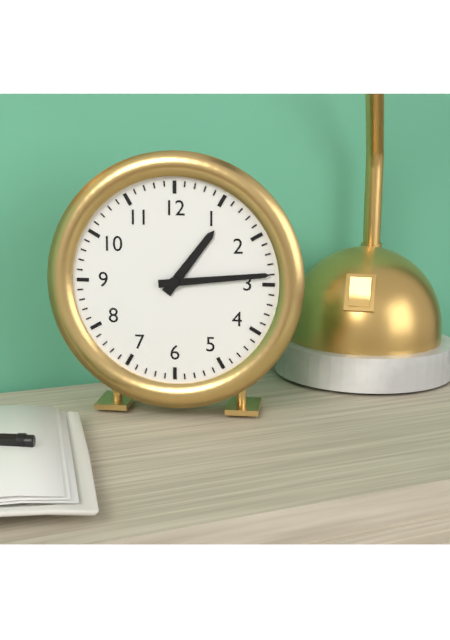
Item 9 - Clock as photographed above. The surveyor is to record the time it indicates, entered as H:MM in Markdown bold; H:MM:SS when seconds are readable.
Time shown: **1:14**
